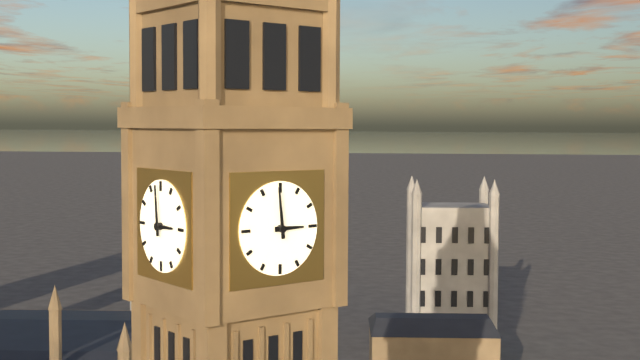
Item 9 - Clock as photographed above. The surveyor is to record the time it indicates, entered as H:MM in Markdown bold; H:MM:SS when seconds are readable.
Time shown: **2:59**
